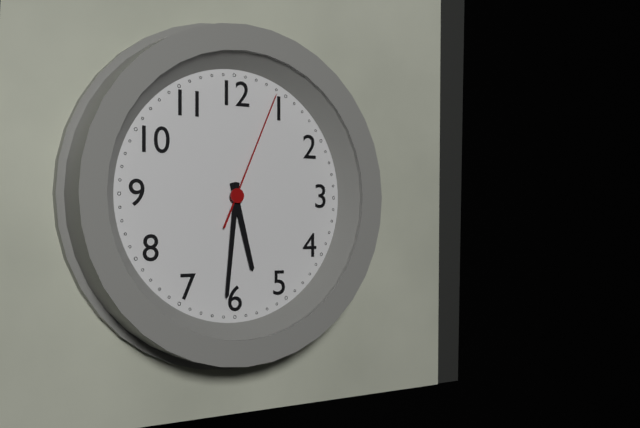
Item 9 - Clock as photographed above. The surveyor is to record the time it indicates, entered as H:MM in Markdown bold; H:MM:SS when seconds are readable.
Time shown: **5:31:04**
